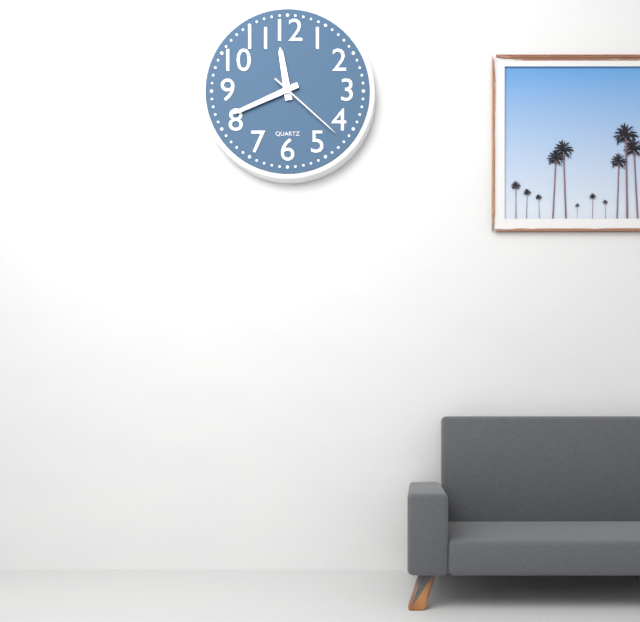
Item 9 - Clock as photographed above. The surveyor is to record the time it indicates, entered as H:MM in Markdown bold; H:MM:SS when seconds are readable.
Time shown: **11:41:22**
